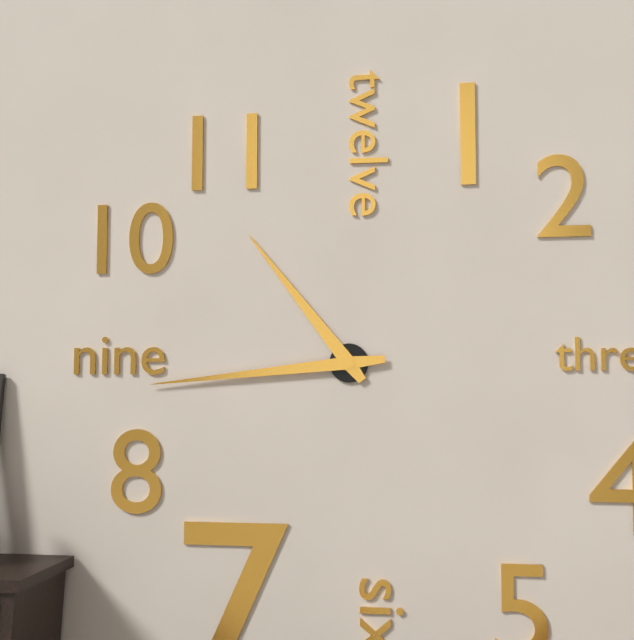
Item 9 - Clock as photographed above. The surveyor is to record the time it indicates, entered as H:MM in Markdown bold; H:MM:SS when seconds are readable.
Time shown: **10:44**
